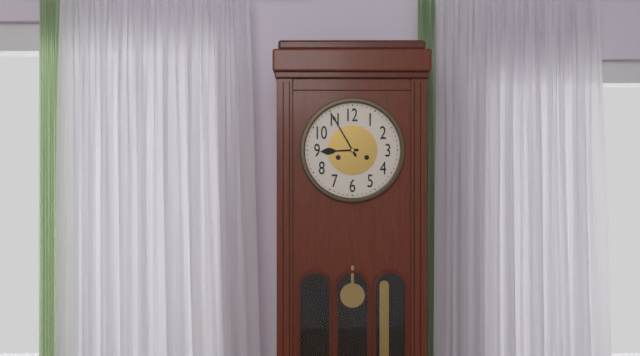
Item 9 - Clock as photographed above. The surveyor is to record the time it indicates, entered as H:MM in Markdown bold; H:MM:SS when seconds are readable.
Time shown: **8:55**
